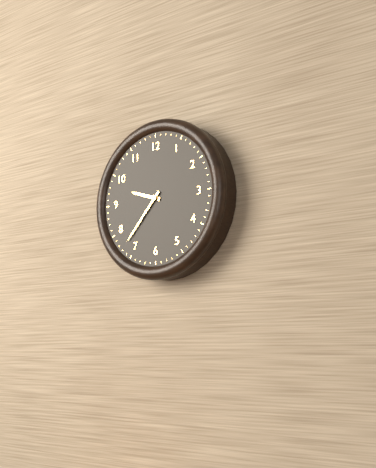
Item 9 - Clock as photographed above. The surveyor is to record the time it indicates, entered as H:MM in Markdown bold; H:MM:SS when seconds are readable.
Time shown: **9:37**
